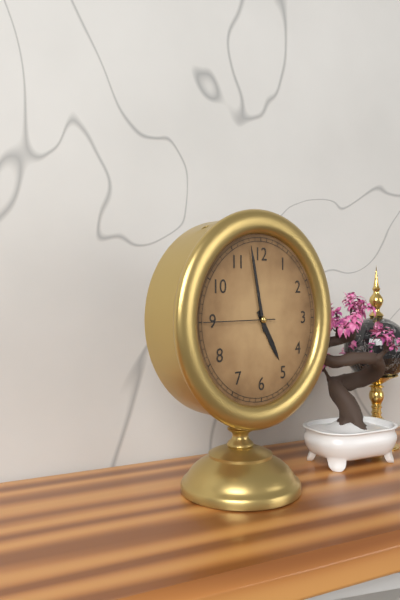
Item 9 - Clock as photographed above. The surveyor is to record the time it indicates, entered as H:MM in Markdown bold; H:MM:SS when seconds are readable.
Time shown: **4:58:45**
